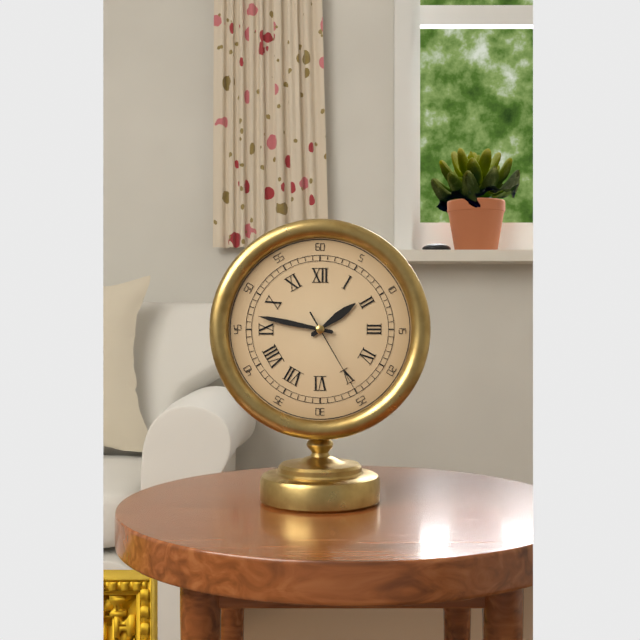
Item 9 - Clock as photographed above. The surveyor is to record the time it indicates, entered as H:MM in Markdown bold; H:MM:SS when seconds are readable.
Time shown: **1:47:25**
